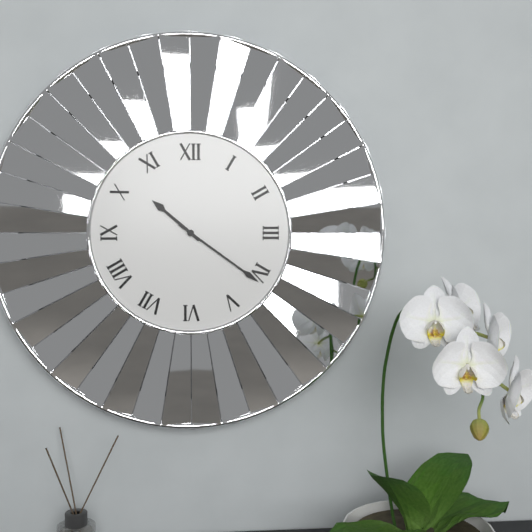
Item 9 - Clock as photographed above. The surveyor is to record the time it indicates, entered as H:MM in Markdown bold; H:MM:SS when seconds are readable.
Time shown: **10:21**
